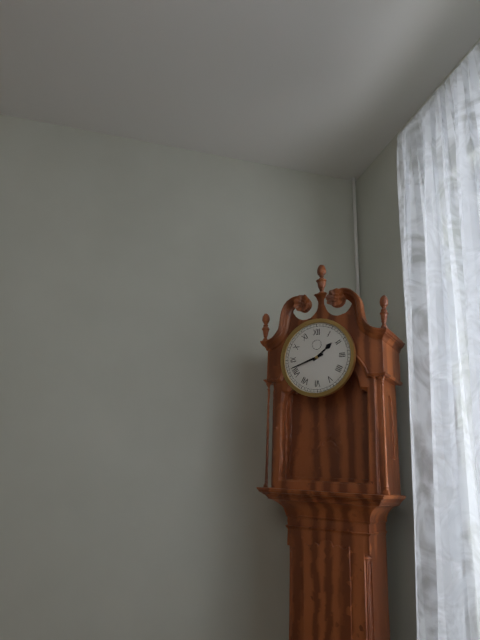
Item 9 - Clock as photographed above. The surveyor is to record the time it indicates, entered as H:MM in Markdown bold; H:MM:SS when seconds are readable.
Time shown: **1:42**
